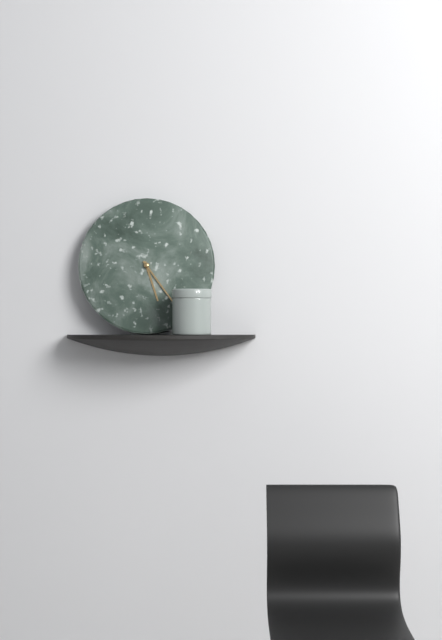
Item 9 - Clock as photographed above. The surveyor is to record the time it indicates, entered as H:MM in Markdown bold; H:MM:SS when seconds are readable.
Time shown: **5:24**
